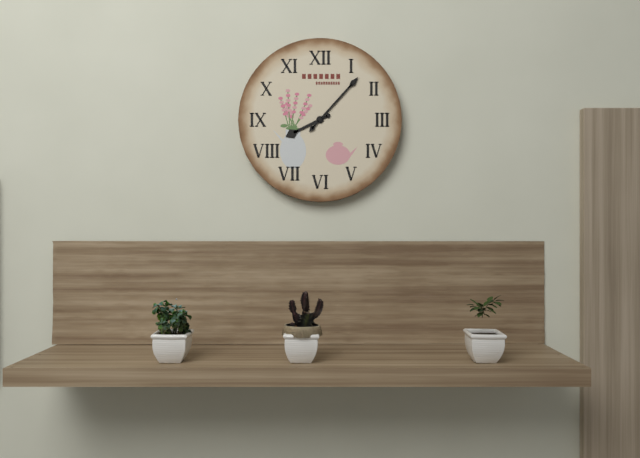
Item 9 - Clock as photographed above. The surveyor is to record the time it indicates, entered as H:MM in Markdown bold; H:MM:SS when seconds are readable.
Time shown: **8:07**
